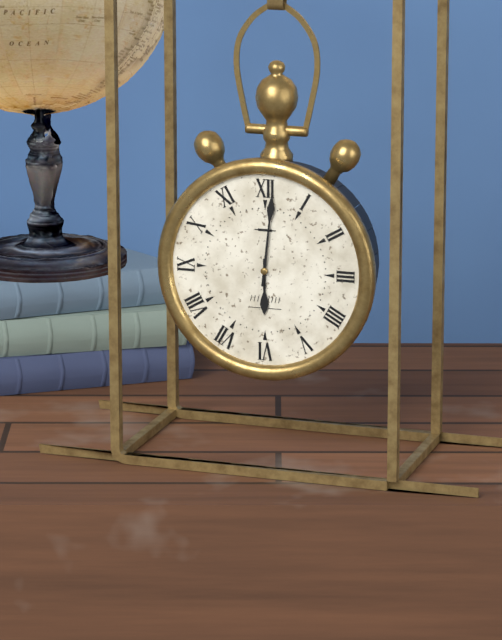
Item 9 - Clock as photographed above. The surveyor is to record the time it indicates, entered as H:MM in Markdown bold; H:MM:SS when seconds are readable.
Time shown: **6:01**
